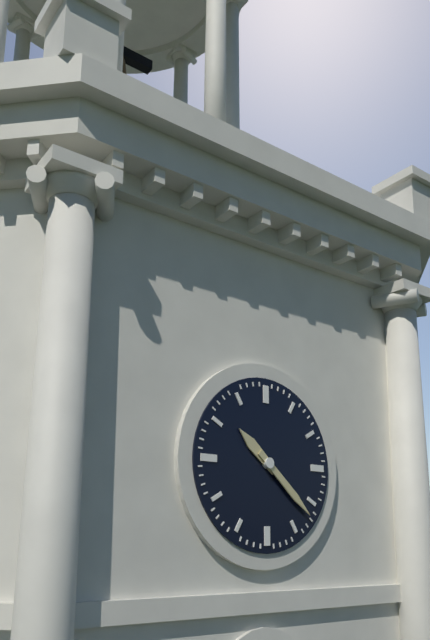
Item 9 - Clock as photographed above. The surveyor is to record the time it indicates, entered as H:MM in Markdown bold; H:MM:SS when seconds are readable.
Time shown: **10:22**
